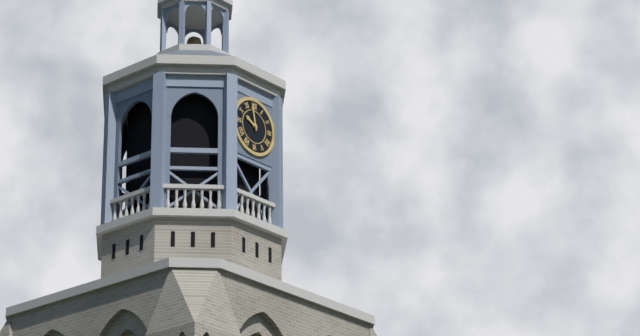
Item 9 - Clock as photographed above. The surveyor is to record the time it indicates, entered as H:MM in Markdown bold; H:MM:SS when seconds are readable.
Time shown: **9:58**
